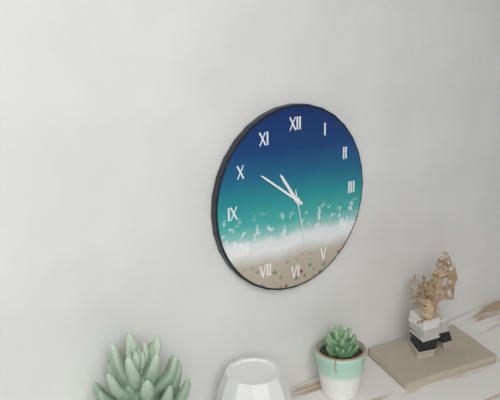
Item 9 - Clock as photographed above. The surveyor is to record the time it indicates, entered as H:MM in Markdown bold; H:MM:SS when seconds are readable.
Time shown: **10:51:28**
